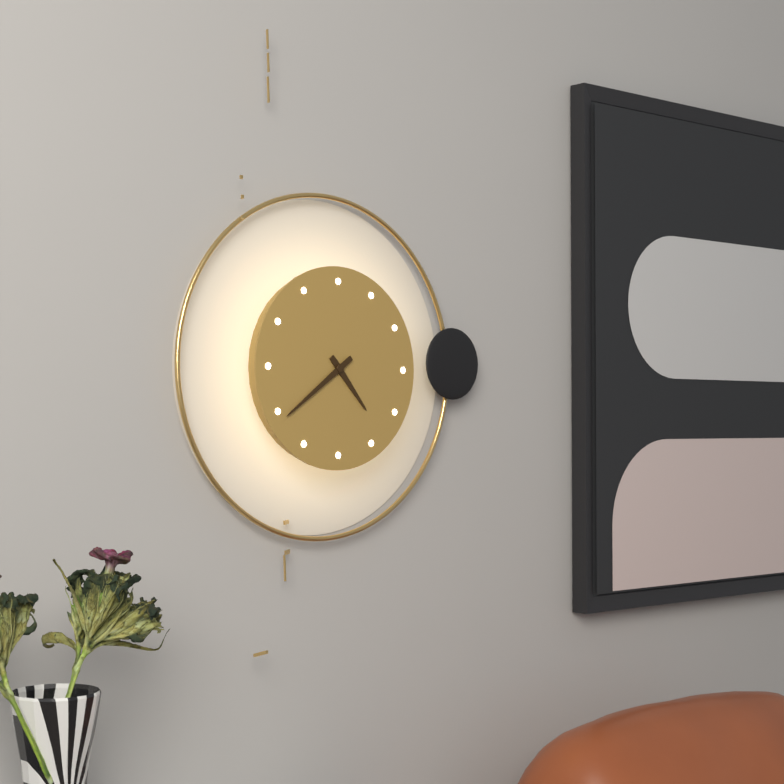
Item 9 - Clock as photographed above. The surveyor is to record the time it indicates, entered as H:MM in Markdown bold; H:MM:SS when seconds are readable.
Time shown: **4:39**
